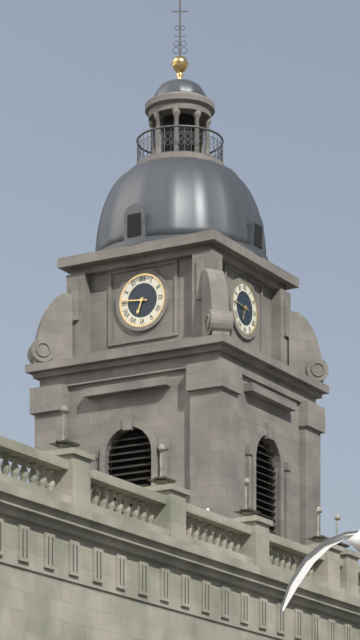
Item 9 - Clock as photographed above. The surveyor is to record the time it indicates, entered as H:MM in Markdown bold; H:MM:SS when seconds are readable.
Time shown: **6:46**
